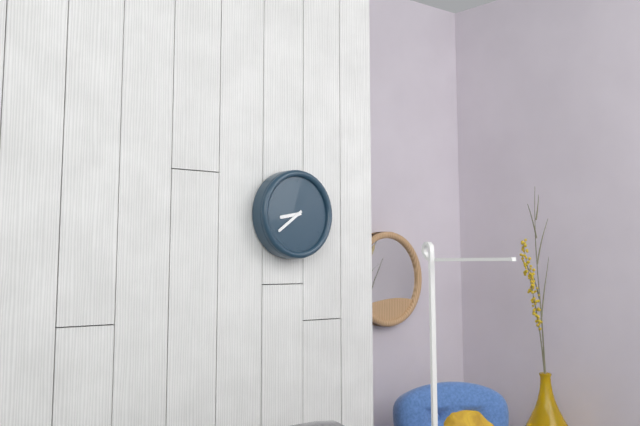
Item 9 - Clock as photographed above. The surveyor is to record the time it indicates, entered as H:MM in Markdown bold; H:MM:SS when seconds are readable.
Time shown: **8:39**
